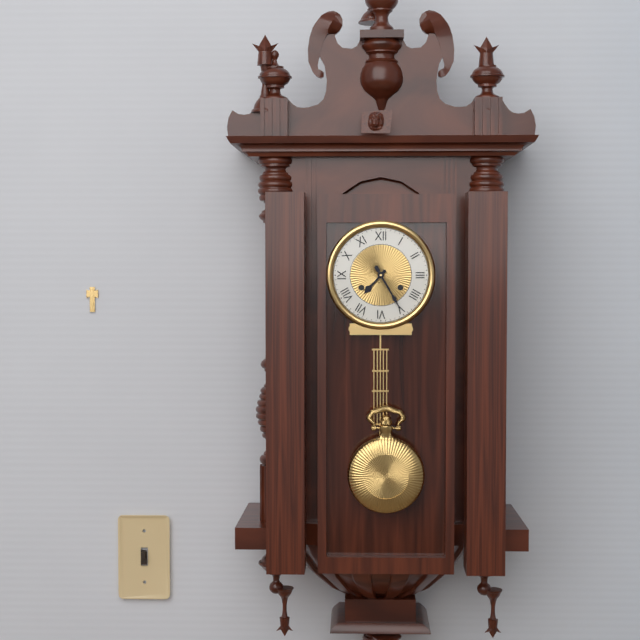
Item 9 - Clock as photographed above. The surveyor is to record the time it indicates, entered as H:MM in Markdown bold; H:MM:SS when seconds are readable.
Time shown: **7:25**
